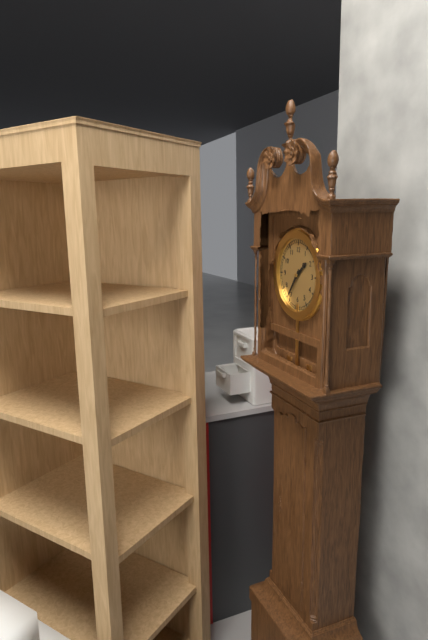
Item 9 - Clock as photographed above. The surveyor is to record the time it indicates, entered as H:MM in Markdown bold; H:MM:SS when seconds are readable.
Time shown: **1:36**
